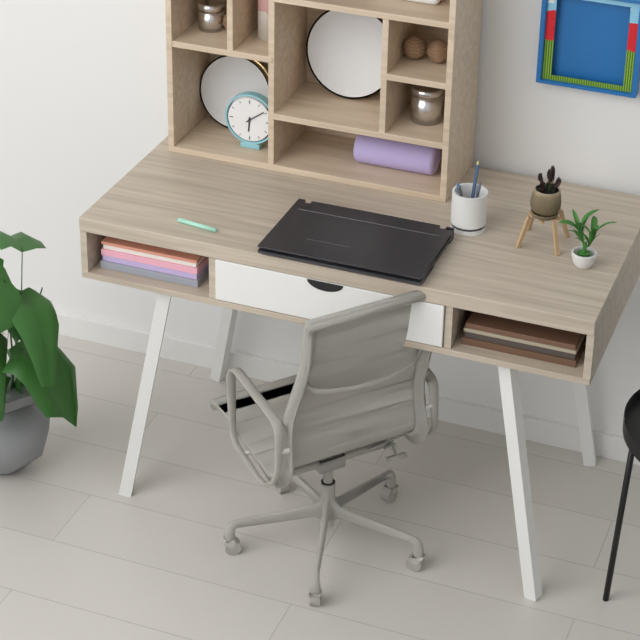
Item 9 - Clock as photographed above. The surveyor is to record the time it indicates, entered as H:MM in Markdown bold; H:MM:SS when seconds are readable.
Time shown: **6:09**
